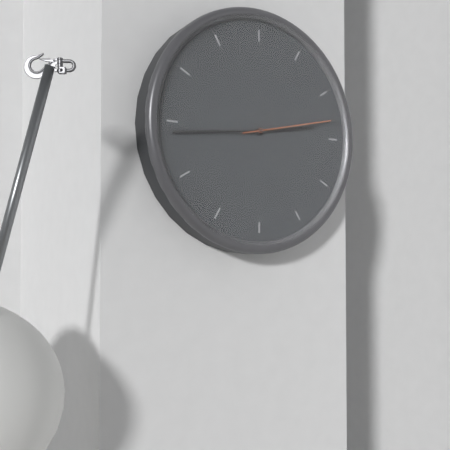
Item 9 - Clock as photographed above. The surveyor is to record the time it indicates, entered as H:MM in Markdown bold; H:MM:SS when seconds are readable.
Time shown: **2:44:13**
